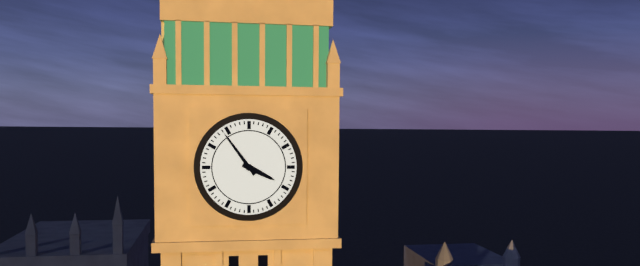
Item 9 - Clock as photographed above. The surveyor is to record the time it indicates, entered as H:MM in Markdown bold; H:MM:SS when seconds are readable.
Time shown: **3:54**
